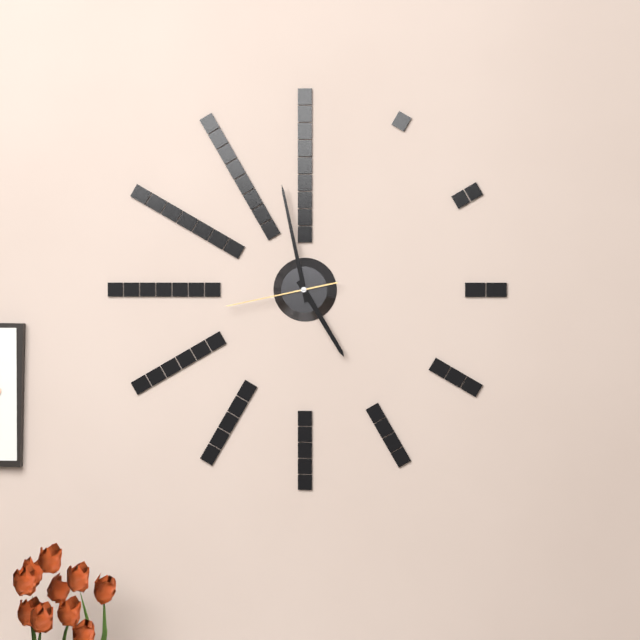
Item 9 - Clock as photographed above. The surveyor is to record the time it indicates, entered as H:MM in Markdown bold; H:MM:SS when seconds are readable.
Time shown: **4:58:43**
